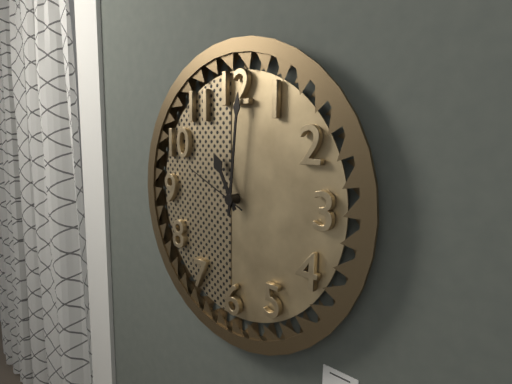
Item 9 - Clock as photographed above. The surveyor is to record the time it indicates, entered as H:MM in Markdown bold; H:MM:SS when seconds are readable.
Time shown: **11:01:49**
